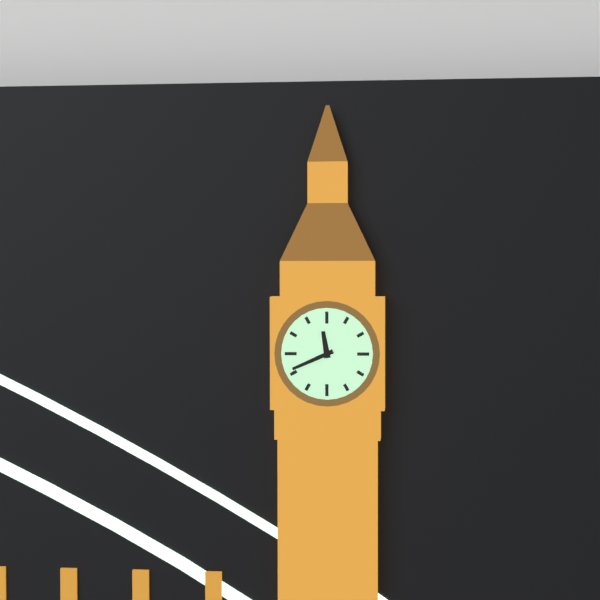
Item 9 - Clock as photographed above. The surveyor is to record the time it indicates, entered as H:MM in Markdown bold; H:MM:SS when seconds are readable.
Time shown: **11:41**
